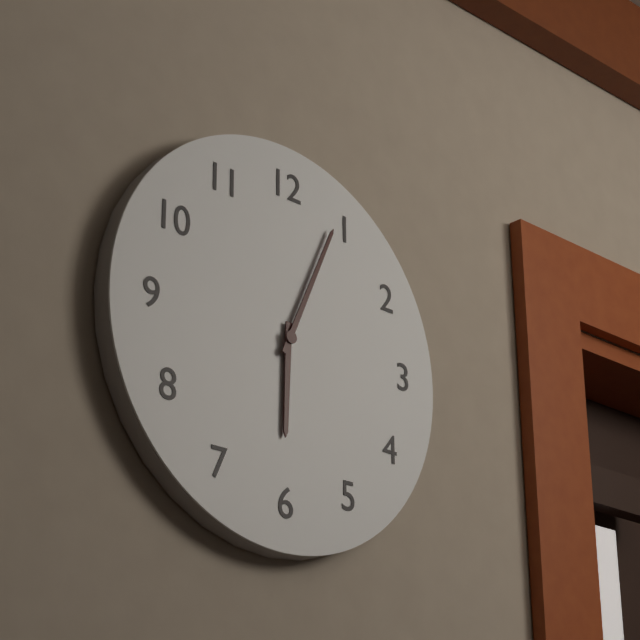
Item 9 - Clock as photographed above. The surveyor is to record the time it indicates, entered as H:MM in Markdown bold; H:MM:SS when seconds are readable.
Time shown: **6:04**
